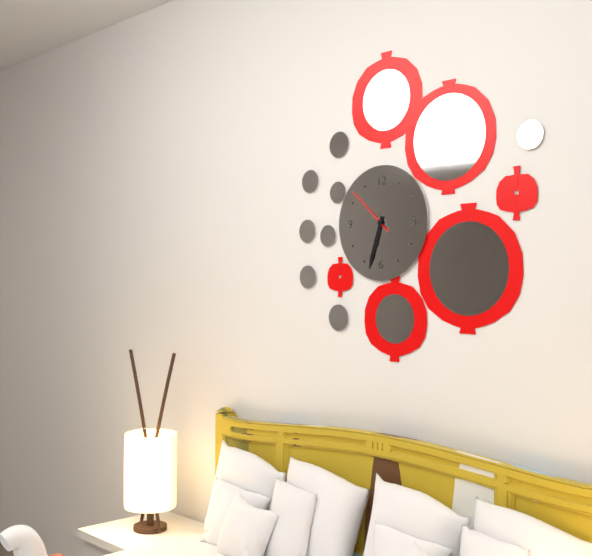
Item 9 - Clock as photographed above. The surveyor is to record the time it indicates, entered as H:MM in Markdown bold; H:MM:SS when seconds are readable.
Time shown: **6:33:52**
